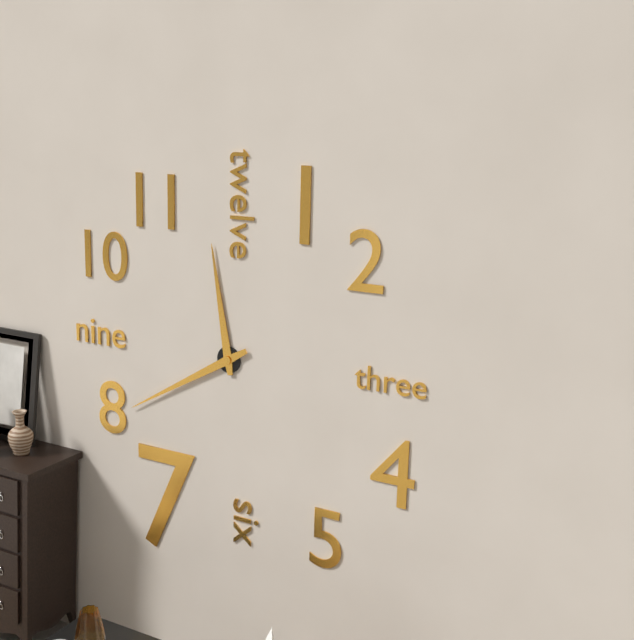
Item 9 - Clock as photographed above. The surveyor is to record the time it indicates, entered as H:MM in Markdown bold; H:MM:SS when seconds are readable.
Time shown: **11:40**
